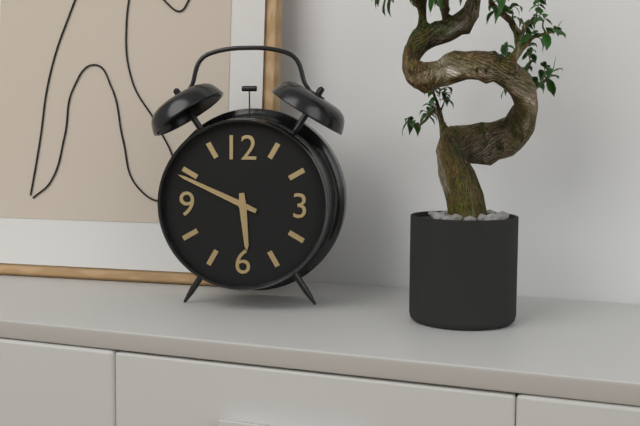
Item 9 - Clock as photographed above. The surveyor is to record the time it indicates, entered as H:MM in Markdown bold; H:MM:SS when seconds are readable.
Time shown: **5:49**
